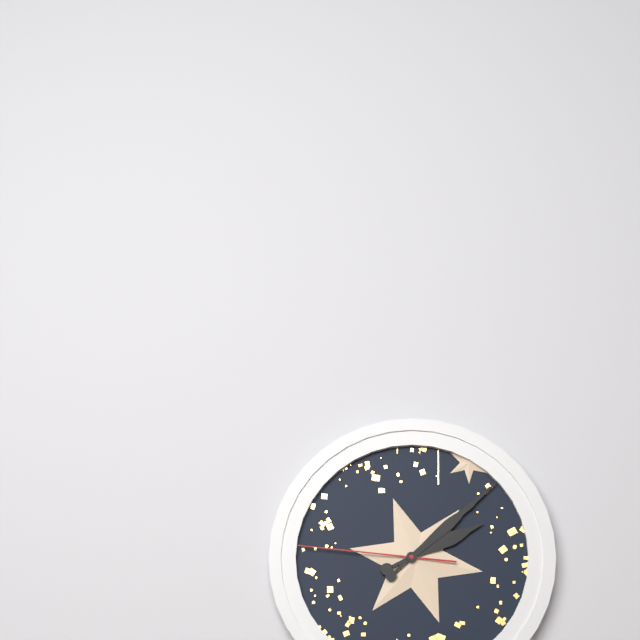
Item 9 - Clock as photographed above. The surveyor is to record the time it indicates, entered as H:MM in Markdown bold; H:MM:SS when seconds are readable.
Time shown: **2:08:46**
